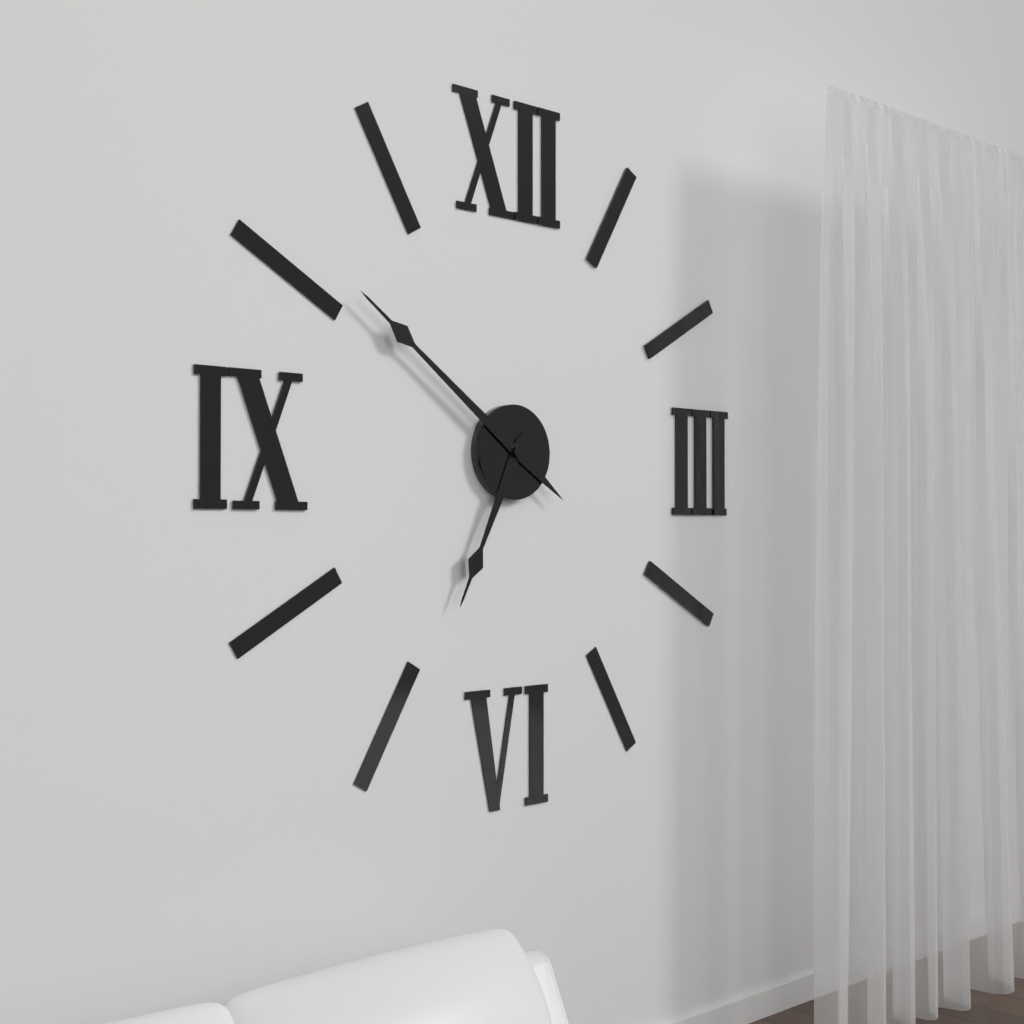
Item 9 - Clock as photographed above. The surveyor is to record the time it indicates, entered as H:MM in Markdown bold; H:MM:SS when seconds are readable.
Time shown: **6:51**
